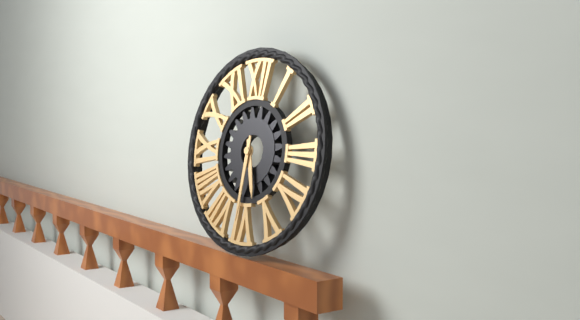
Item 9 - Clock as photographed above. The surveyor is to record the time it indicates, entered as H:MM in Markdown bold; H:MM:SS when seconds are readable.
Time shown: **5:31**
